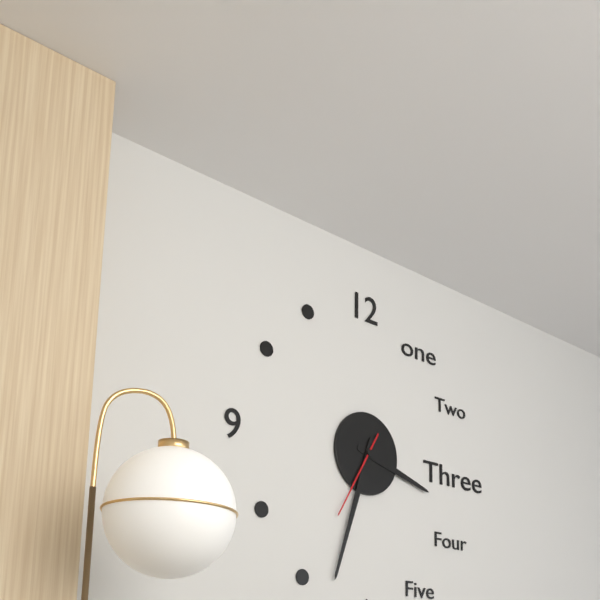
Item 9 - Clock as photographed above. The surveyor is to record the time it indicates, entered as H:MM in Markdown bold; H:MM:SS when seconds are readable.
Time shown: **3:33:35**
